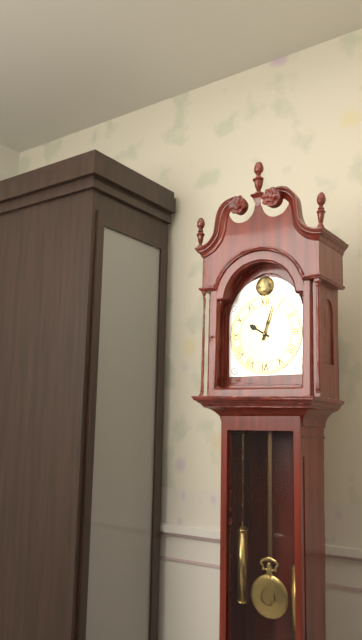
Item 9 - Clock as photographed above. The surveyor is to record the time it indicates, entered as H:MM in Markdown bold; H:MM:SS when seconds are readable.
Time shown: **10:03**
